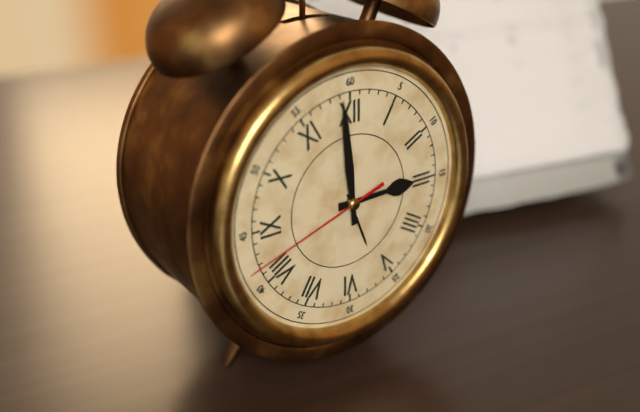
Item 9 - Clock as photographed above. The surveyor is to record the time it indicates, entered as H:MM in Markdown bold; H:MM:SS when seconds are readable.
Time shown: **2:59:42**
